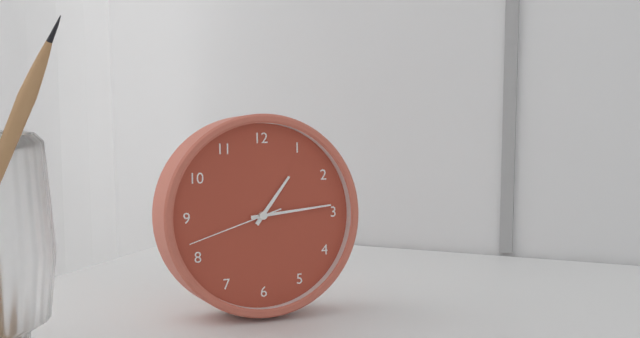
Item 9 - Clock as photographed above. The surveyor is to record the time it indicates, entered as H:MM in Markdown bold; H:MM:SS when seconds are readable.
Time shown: **1:14:42**
